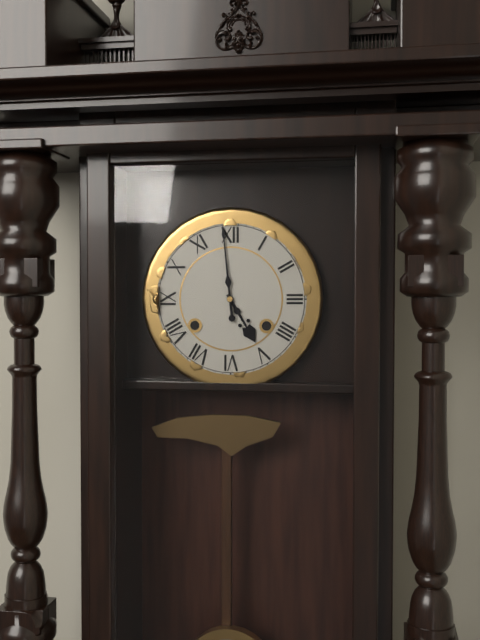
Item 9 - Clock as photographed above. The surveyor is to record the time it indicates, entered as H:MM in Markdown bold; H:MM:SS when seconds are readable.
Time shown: **4:59**
